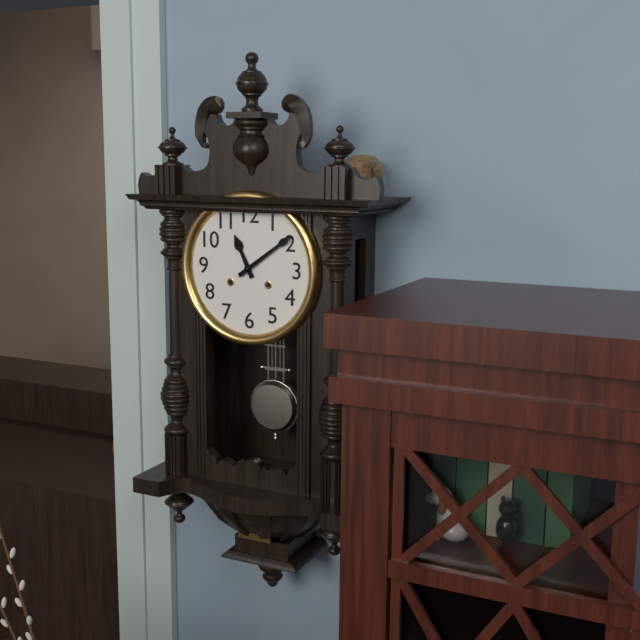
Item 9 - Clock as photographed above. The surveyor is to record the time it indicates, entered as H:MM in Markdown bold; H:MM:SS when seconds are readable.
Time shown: **11:09**
